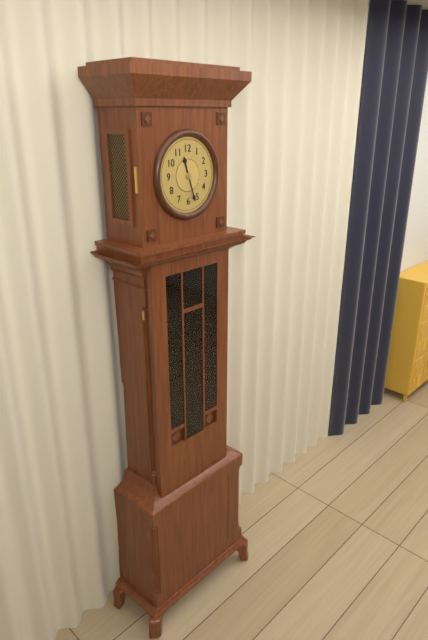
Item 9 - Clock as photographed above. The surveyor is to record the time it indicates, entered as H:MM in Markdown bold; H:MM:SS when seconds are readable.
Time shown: **11:27**
